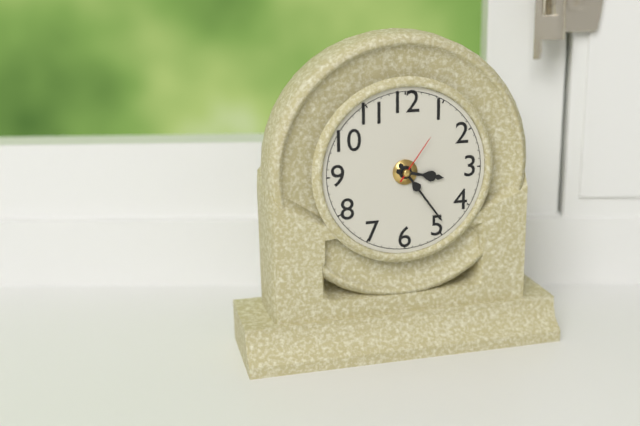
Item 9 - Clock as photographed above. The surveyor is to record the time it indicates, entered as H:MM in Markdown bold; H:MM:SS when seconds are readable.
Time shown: **3:24:06**
